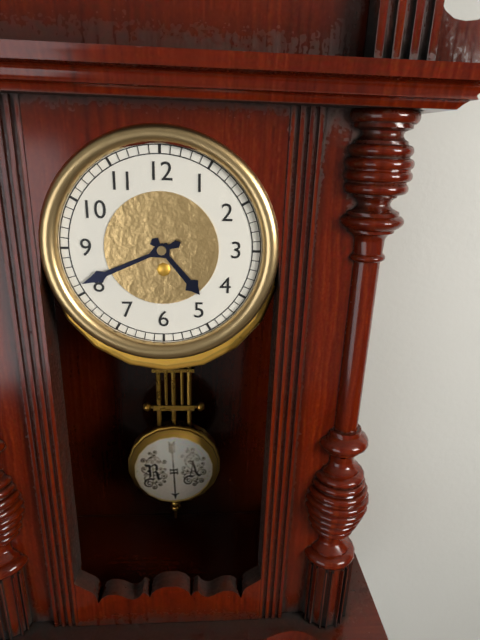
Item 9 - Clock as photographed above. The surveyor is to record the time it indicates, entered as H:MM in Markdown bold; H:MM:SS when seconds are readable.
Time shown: **4:41**
